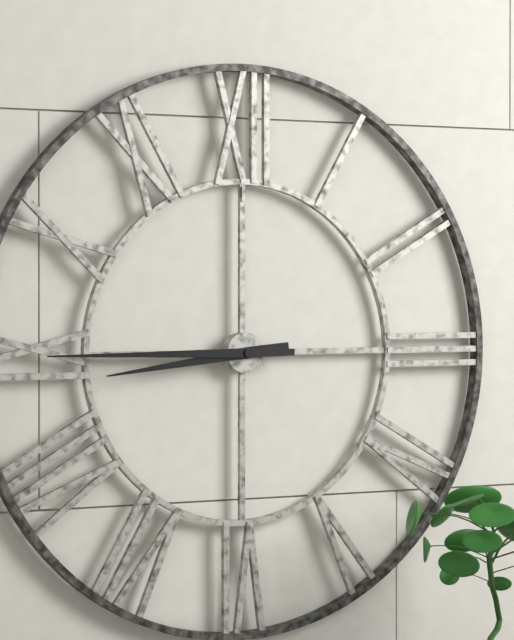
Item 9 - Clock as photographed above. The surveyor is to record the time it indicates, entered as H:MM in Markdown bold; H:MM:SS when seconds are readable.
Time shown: **8:45**
